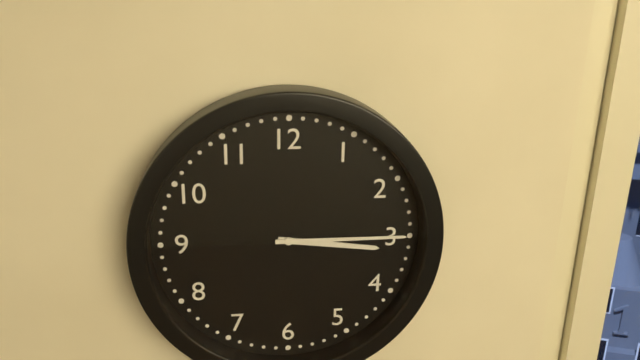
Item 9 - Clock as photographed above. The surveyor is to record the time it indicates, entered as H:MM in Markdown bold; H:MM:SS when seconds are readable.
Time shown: **3:15**
